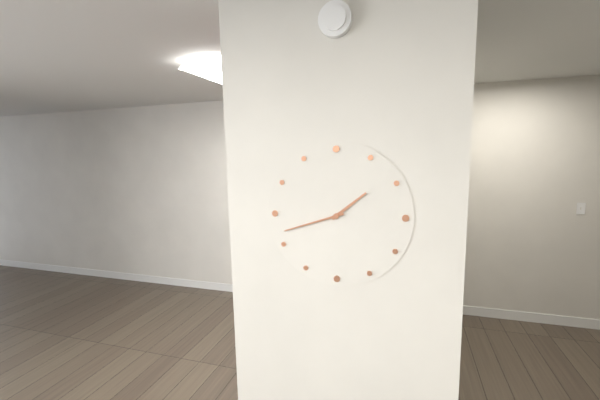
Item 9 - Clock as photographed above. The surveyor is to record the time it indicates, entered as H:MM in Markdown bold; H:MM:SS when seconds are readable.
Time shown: **1:42**
